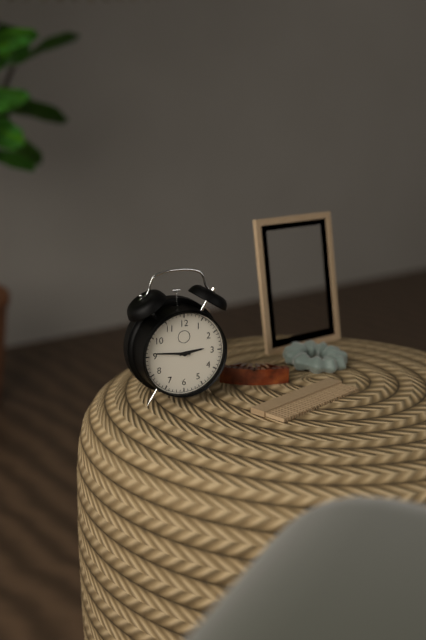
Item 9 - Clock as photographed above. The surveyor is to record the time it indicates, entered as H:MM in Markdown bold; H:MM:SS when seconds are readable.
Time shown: **2:46**
